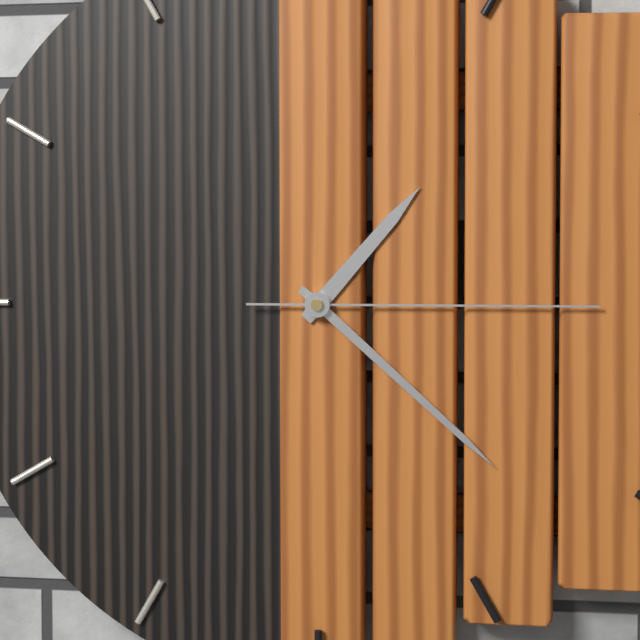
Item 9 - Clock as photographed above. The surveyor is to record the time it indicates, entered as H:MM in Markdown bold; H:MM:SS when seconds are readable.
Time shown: **1:22:15**
